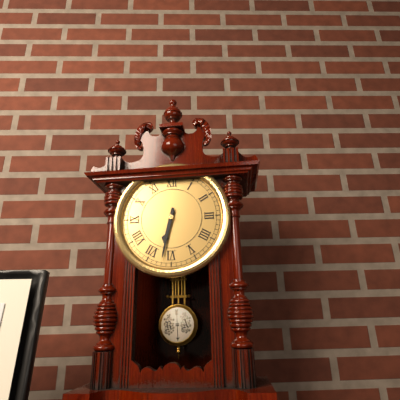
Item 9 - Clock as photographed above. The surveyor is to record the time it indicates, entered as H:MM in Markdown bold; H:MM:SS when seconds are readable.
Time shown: **6:32**
